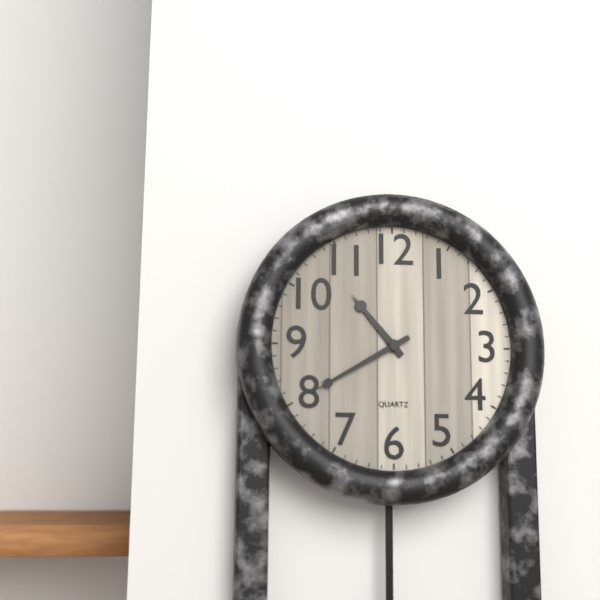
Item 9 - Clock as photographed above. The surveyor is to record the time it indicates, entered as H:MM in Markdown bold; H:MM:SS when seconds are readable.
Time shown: **10:40**
